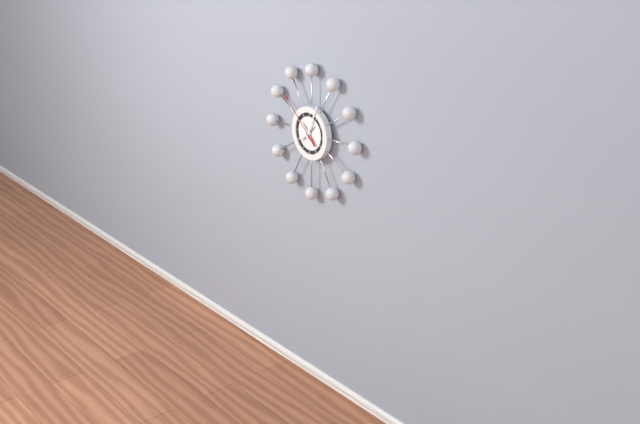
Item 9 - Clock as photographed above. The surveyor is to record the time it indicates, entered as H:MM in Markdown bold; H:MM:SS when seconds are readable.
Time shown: **8:04:52**
